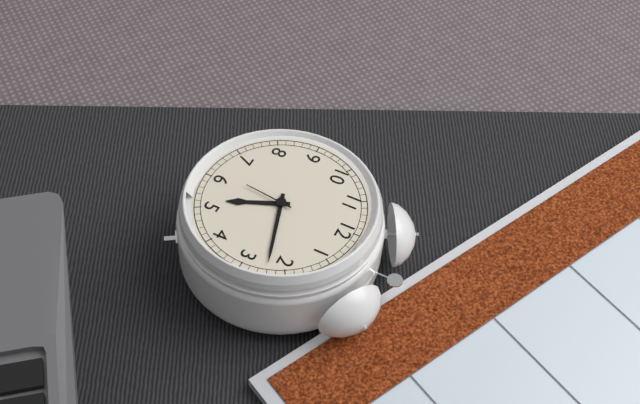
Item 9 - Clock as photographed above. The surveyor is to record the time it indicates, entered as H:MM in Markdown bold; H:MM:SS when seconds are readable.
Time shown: **5:12**
